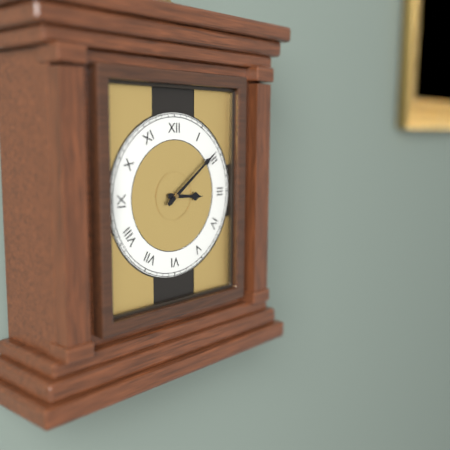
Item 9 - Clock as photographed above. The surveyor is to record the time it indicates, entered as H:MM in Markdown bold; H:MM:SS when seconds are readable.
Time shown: **3:09**
